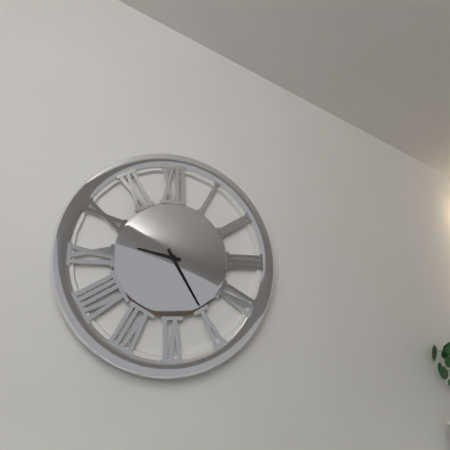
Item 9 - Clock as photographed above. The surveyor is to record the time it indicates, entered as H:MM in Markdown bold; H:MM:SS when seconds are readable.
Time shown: **9:25**
